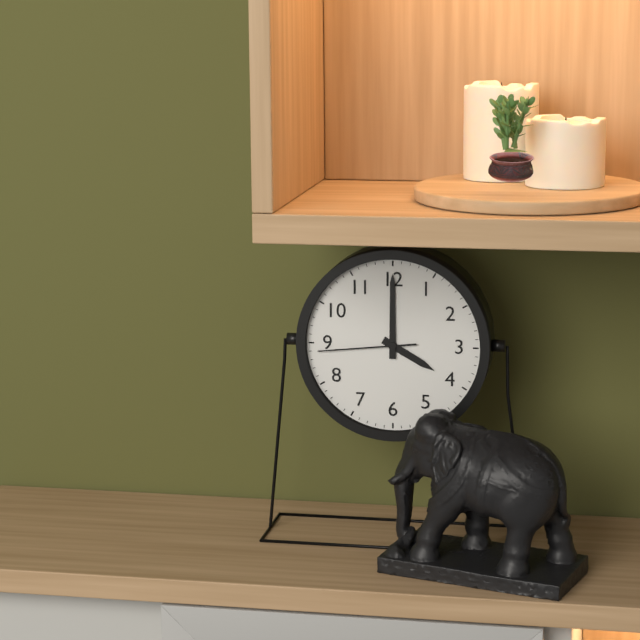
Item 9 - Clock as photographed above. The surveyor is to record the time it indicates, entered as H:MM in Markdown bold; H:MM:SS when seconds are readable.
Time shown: **4:00:44**
